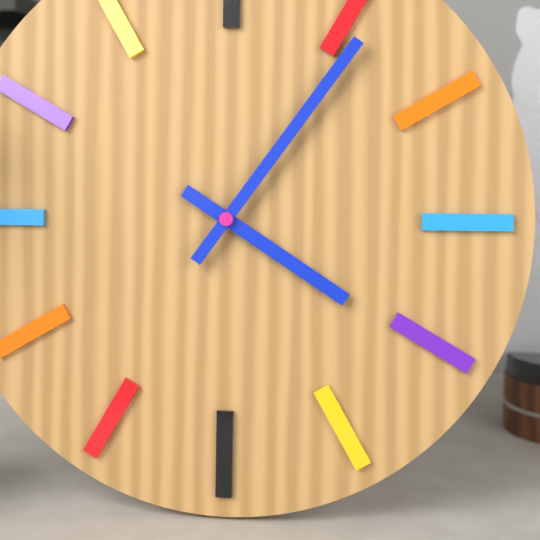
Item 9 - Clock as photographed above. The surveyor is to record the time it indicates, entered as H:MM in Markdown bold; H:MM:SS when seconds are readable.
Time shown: **4:06**
